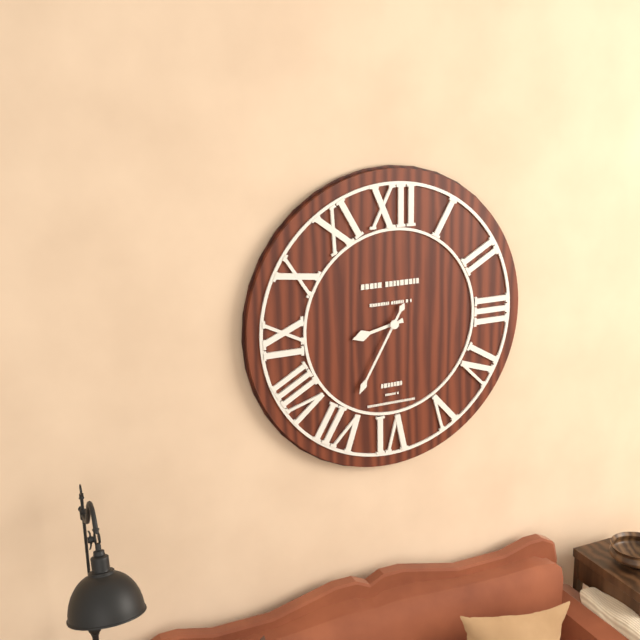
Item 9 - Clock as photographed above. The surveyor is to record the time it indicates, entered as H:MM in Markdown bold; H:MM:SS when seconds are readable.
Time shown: **8:35**
